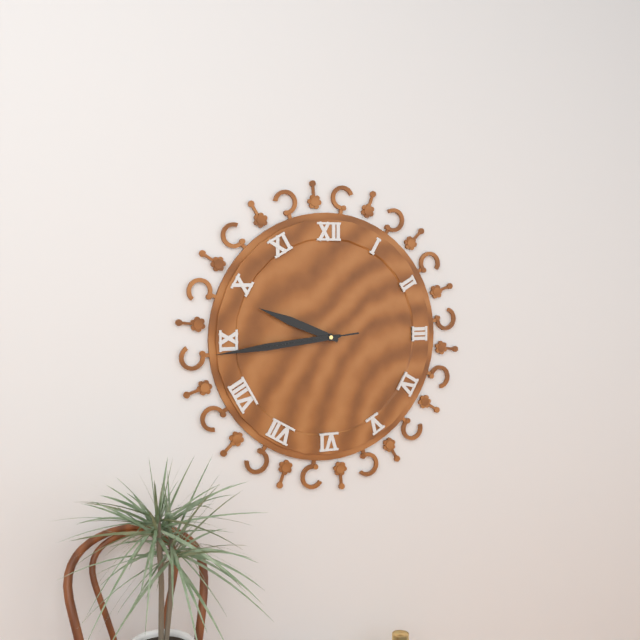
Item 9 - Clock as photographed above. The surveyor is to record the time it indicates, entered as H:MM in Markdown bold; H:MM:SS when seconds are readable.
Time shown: **9:44:44**
